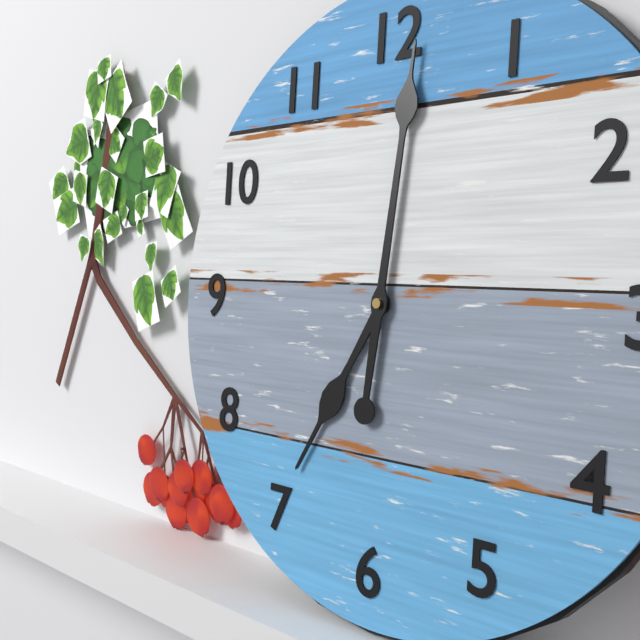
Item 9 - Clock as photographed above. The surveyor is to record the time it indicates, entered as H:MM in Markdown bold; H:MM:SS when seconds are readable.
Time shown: **7:01**
